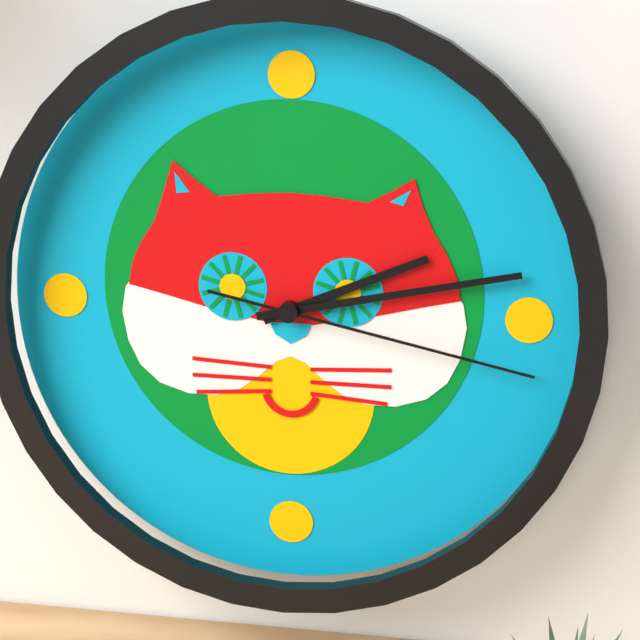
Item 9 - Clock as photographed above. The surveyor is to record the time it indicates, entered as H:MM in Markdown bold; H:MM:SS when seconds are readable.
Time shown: **2:13:17**
